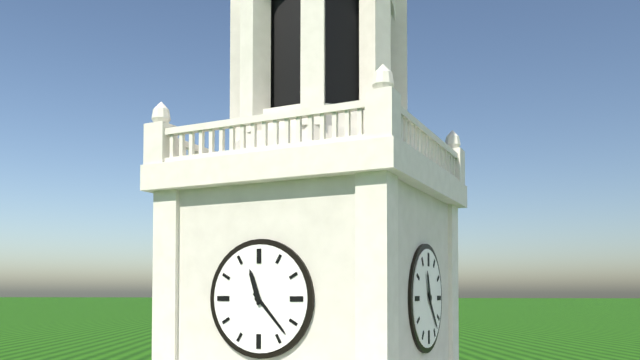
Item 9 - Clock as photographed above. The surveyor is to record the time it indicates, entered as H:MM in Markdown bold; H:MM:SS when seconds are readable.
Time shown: **11:23**
